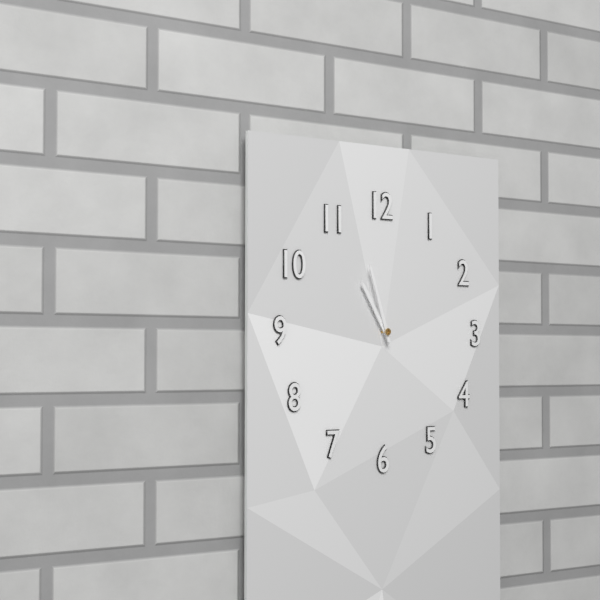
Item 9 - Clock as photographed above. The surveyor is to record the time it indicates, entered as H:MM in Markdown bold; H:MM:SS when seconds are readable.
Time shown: **10:57**
